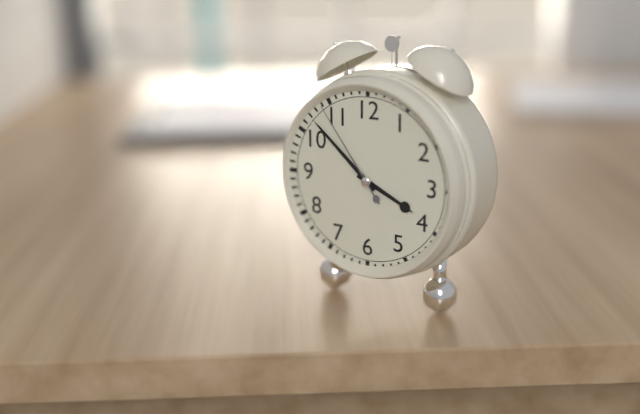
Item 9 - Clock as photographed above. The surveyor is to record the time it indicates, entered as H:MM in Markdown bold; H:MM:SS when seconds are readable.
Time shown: **3:52:54**
